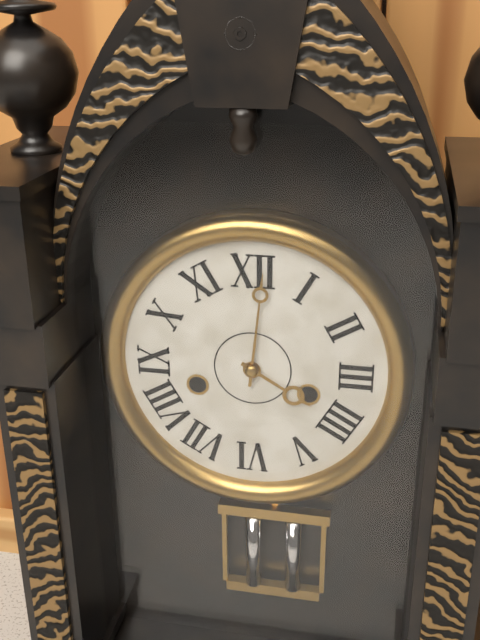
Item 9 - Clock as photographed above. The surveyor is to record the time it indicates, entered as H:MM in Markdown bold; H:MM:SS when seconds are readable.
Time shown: **4:01**
